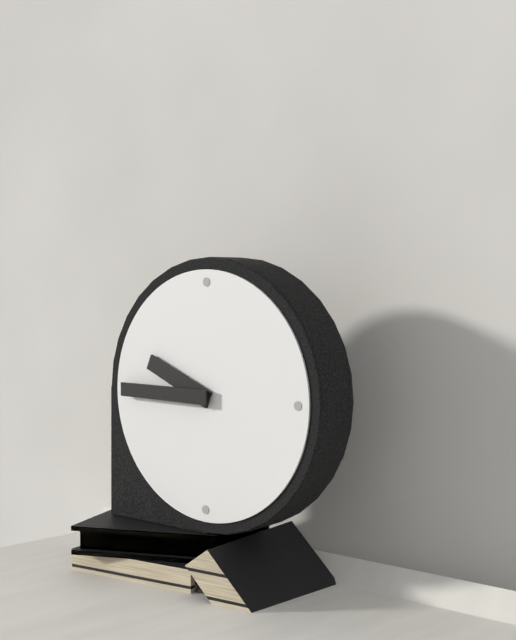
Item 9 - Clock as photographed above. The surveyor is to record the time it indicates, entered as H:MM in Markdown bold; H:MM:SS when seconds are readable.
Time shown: **9:45**
